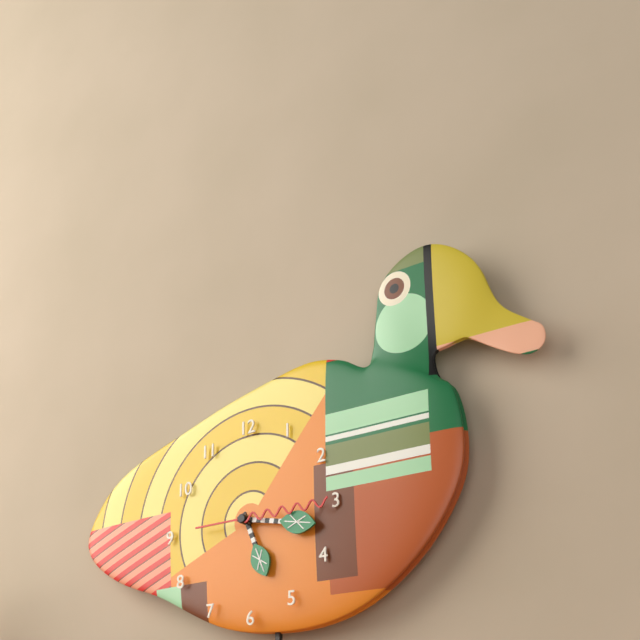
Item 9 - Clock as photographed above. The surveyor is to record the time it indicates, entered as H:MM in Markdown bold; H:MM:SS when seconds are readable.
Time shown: **5:17:15**
